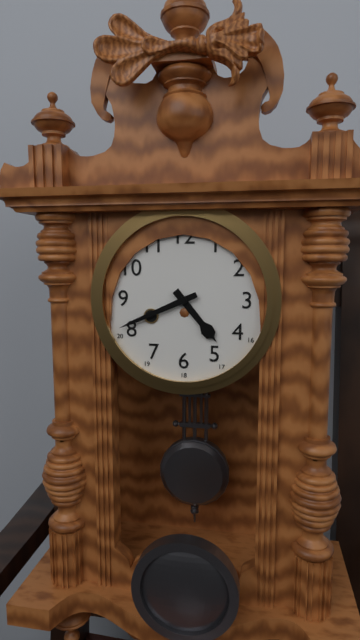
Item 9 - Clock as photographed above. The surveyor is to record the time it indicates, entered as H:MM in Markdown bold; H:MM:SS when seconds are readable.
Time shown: **4:41**
